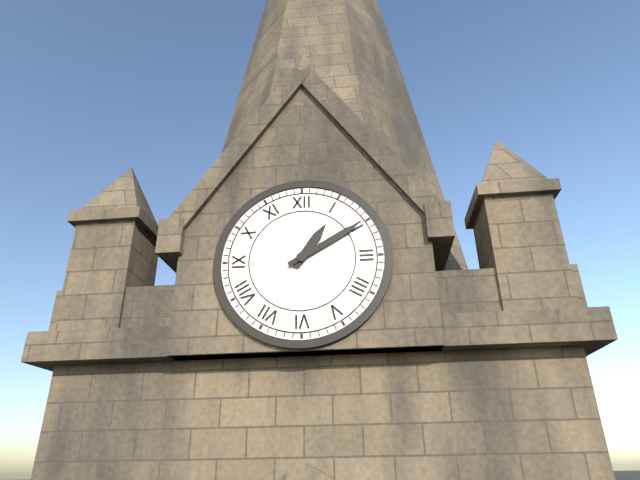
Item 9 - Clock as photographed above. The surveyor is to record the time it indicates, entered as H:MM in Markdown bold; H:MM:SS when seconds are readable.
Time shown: **1:10**
